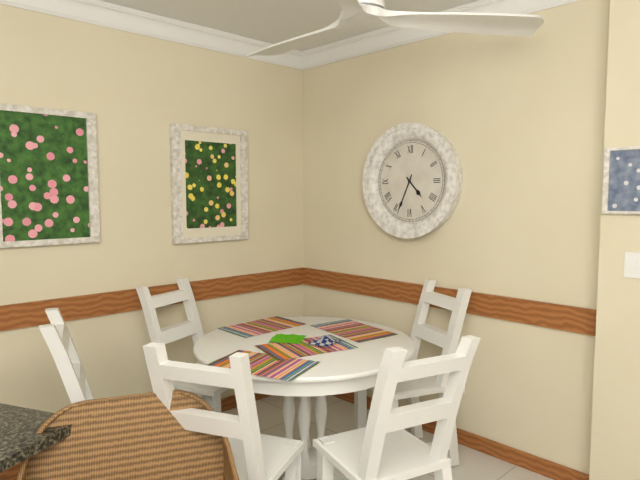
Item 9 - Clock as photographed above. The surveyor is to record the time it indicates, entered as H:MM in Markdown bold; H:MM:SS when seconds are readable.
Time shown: **4:34**
